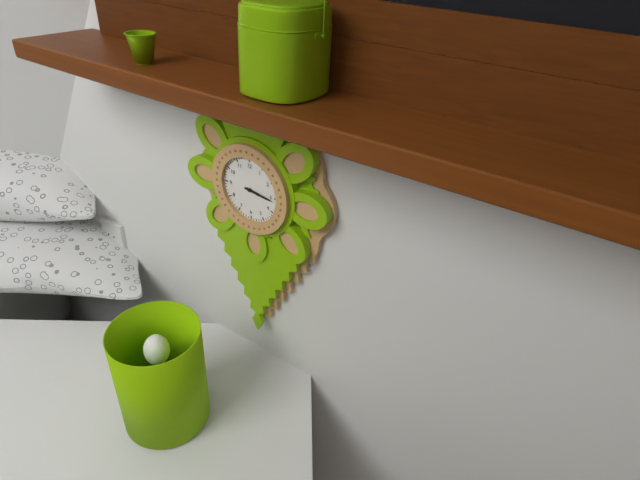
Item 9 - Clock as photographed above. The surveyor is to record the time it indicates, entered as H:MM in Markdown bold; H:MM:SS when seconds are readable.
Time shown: **3:16**
